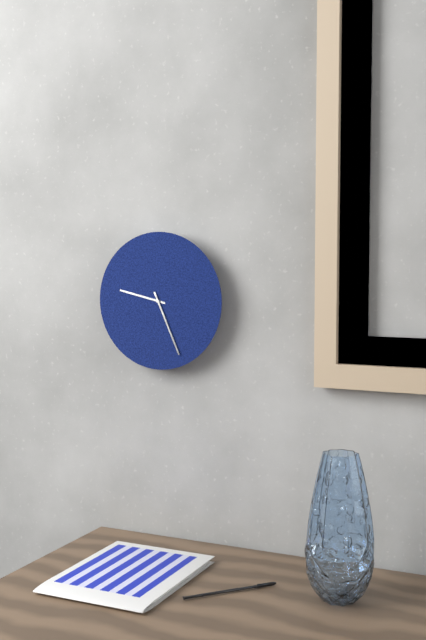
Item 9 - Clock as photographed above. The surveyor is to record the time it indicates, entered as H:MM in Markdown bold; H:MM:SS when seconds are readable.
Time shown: **9:26**
